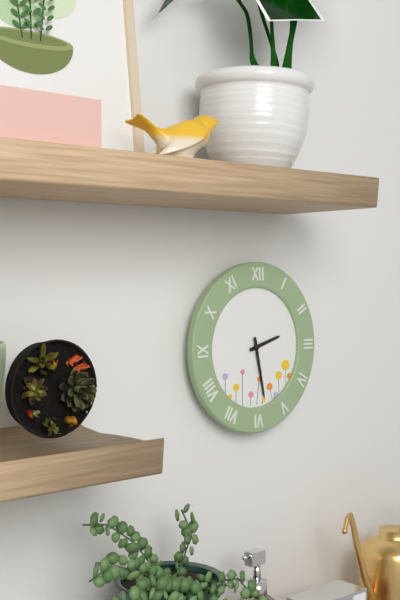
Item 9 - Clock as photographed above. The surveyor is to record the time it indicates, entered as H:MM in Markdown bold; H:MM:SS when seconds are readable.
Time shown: **2:28**
